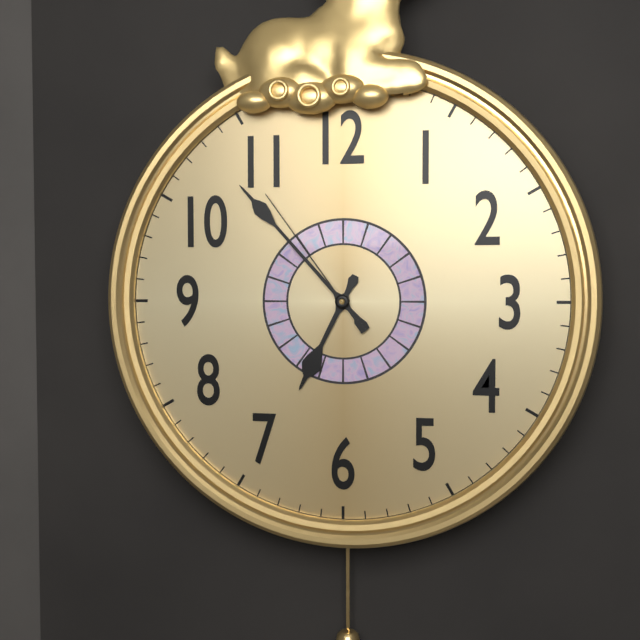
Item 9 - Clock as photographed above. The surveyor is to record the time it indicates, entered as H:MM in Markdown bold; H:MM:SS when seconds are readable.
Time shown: **6:53:54**
